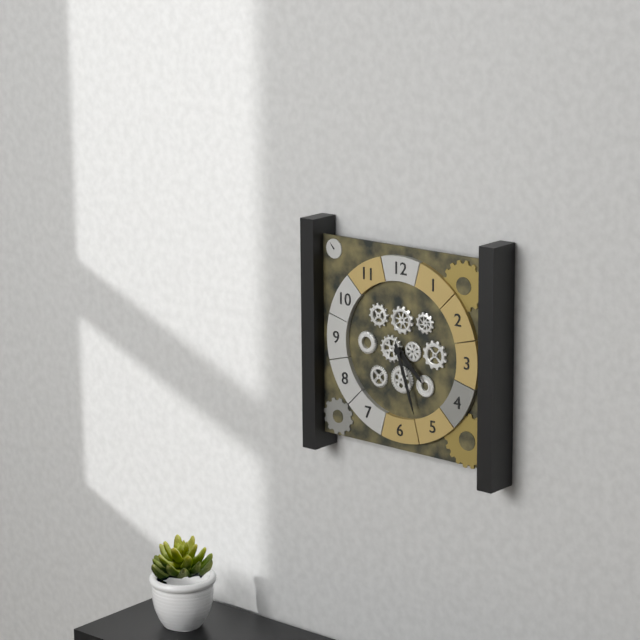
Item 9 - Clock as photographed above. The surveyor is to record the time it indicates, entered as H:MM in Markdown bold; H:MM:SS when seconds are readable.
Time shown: **4:27**
